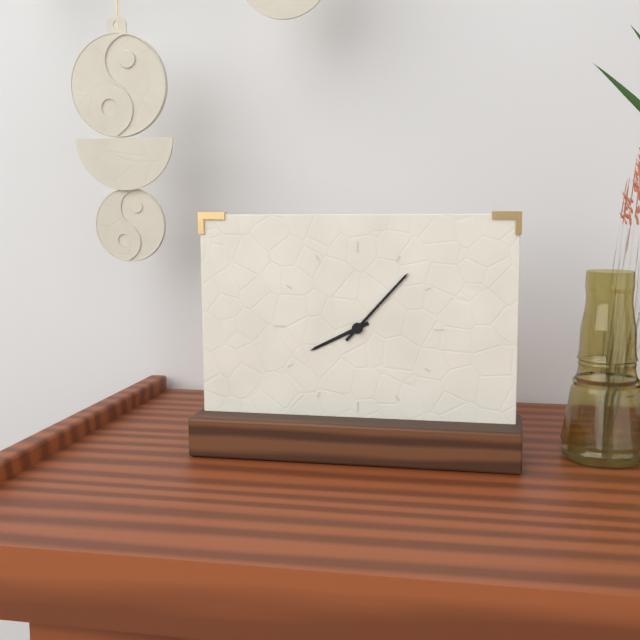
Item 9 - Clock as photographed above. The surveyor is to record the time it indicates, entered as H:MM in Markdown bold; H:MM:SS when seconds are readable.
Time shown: **8:07**
